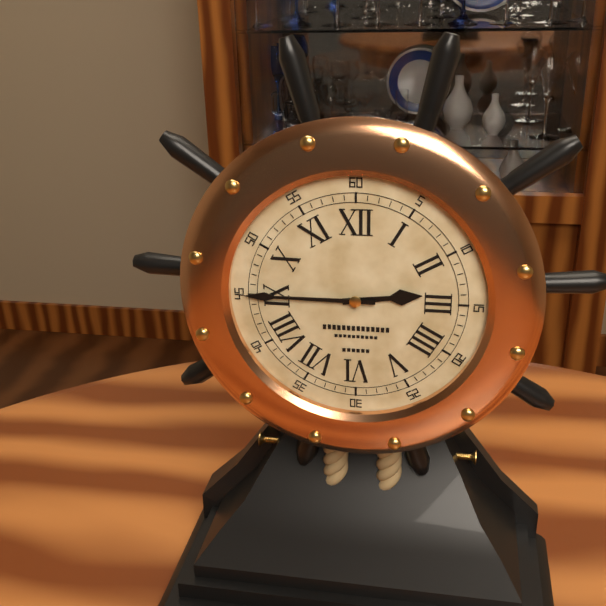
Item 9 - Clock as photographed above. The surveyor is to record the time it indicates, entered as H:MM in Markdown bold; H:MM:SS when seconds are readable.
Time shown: **2:45**
